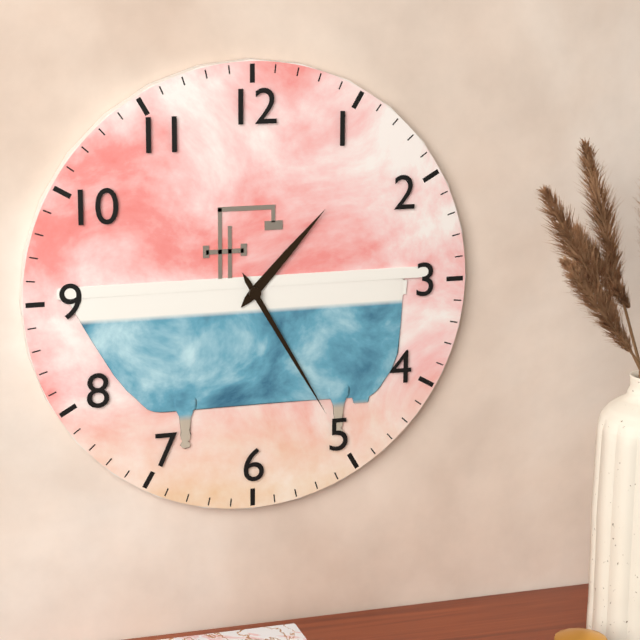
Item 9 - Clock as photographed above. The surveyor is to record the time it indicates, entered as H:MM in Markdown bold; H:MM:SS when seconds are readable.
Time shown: **1:25**
